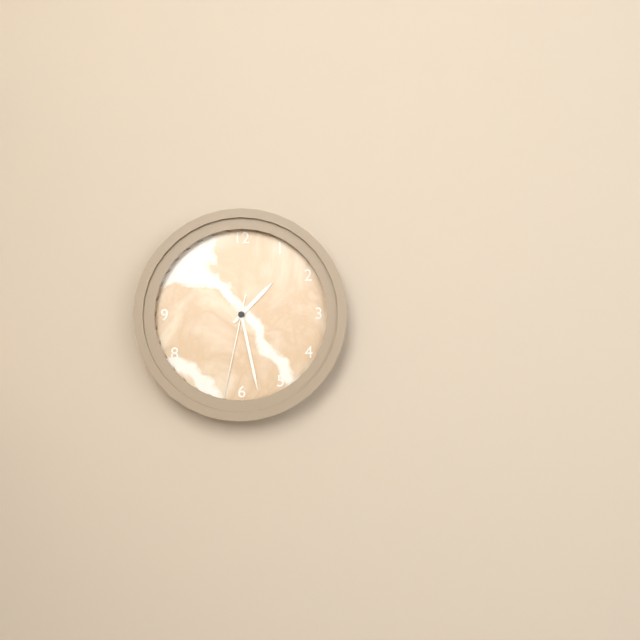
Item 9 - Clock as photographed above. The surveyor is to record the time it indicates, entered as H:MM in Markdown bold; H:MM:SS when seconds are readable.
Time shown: **1:28:32**
